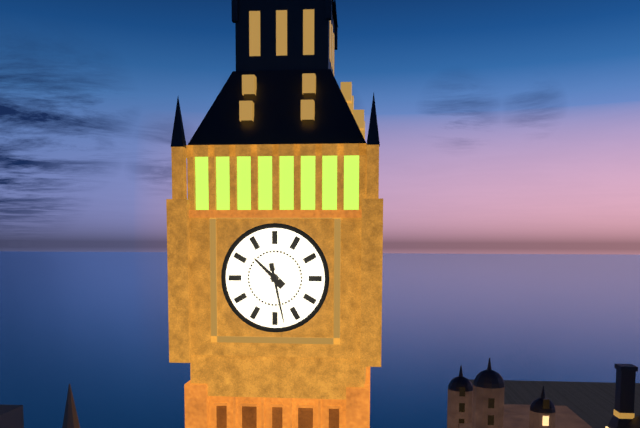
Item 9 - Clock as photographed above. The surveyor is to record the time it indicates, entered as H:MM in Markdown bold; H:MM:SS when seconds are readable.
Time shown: **10:28**
